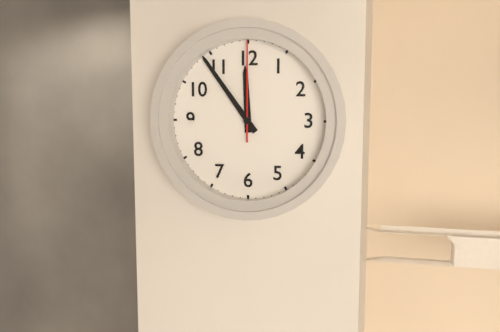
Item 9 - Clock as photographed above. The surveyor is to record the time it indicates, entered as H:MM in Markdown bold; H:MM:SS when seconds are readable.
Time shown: **11:54:00**
